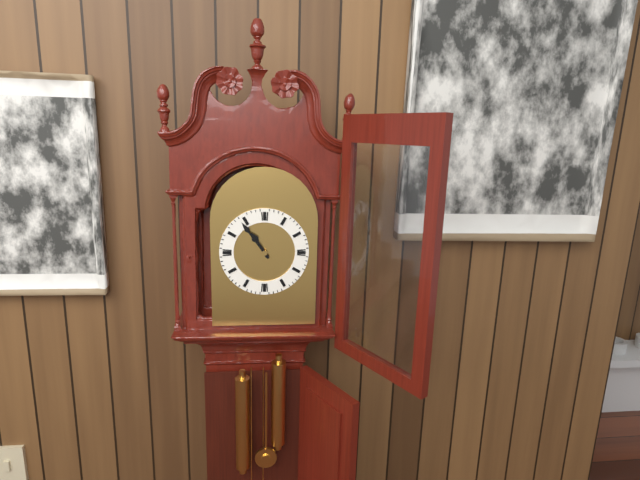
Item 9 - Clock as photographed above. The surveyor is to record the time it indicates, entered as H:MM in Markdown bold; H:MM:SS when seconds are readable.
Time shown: **10:54**
